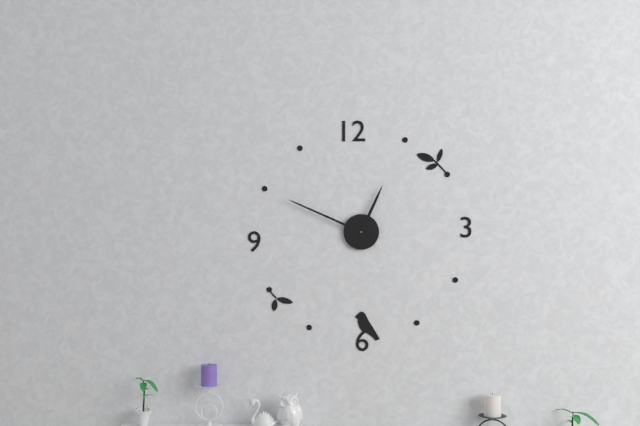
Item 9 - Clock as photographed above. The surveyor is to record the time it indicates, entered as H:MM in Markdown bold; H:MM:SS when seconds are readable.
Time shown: **12:49**
